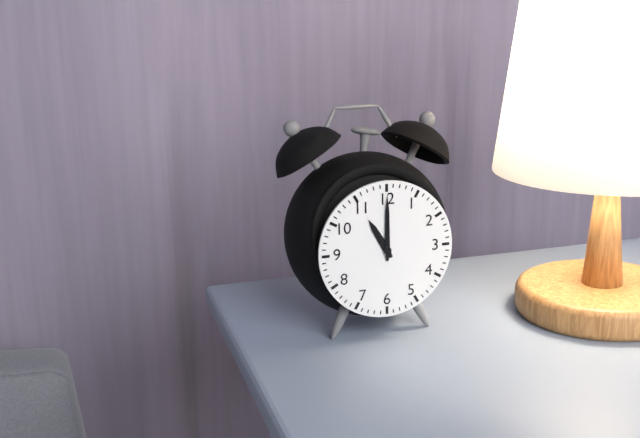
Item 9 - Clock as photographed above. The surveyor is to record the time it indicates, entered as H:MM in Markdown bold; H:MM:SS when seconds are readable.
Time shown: **11:00**
